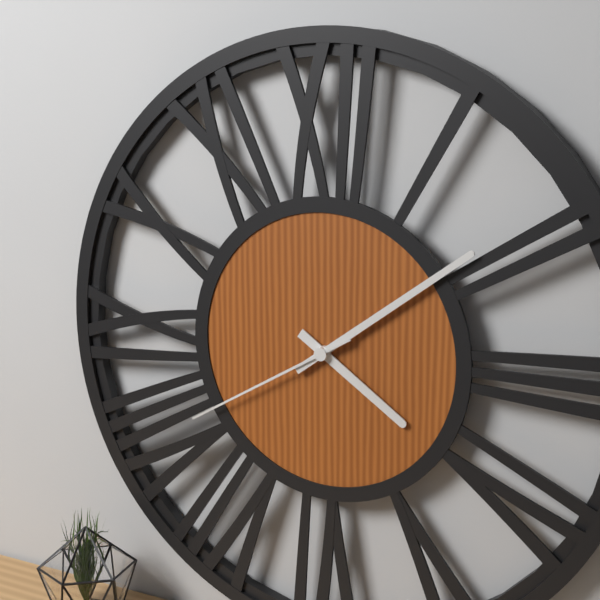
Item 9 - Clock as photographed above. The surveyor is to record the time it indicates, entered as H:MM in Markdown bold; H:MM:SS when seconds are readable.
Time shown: **4:09:40**
